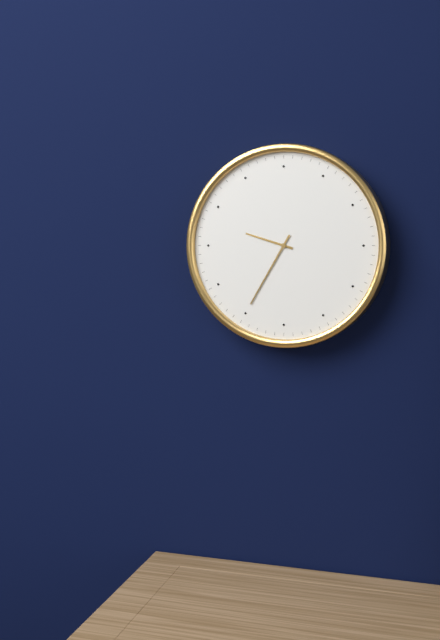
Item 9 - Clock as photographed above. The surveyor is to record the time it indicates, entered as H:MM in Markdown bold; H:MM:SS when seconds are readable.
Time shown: **9:35**
